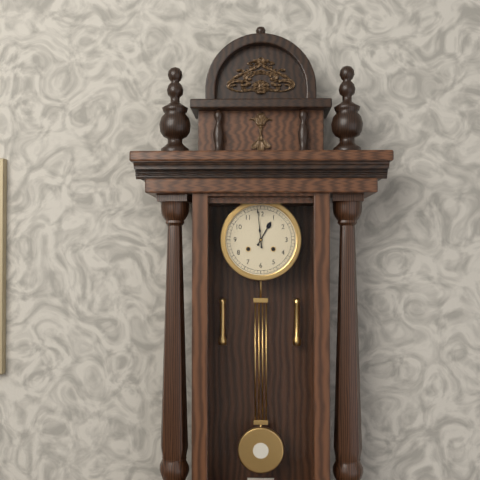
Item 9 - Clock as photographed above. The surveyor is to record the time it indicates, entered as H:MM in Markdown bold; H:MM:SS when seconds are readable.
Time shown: **12:59**
